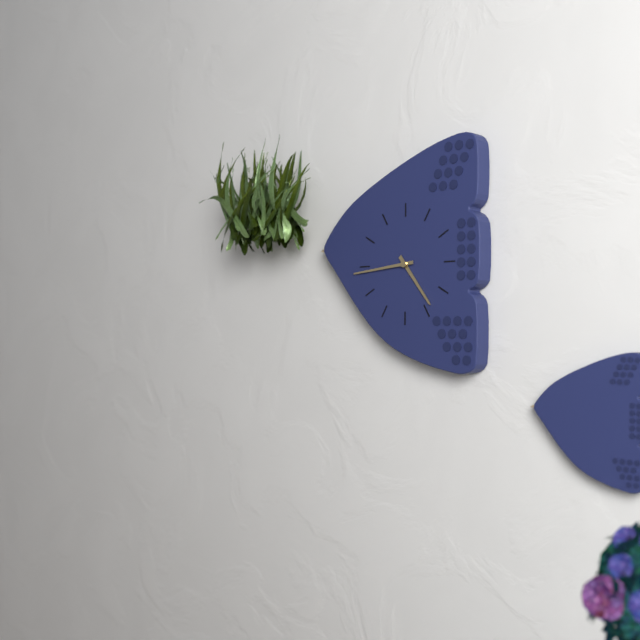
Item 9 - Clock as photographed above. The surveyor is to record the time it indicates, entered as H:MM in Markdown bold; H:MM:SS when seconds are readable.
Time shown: **4:44**
